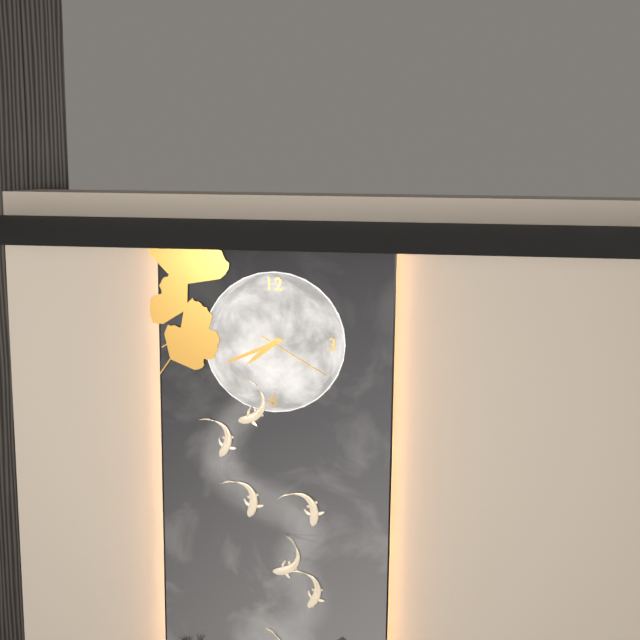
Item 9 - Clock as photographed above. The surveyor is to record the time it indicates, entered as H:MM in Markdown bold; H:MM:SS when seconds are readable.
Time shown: **7:41:20**
